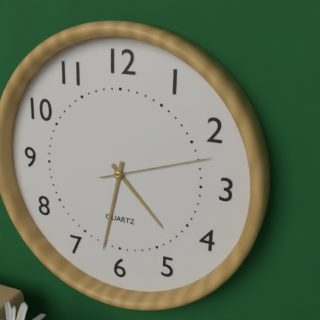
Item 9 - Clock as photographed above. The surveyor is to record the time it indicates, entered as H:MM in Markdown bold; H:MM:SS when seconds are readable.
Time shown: **4:32:12**
